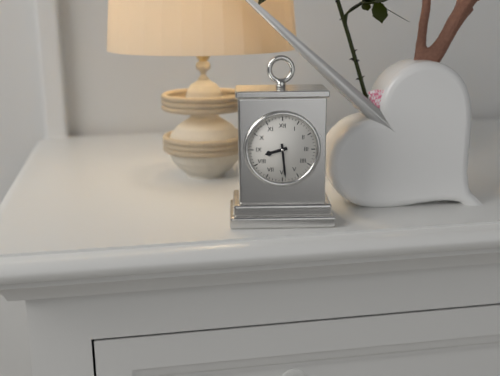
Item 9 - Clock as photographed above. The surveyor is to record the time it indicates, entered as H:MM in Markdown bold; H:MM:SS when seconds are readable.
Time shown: **8:29**
